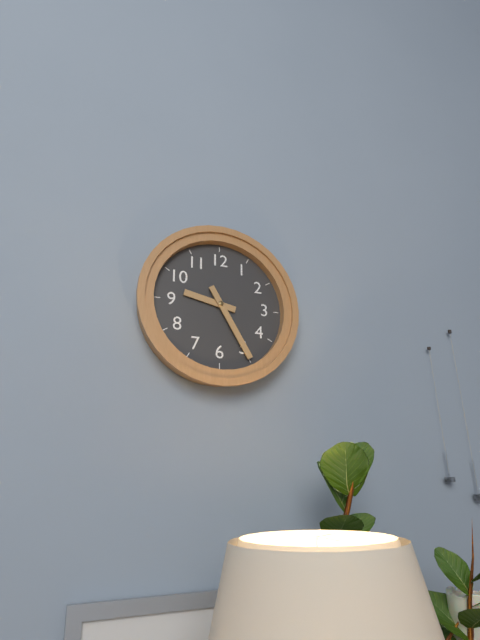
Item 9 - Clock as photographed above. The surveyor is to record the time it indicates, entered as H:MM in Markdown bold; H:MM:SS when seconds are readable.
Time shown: **9:25**
